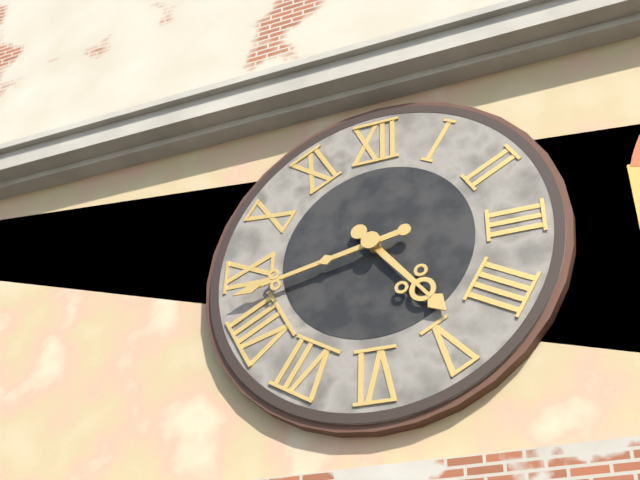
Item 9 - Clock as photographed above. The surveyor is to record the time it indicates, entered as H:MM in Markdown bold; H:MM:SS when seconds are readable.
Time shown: **4:43**
